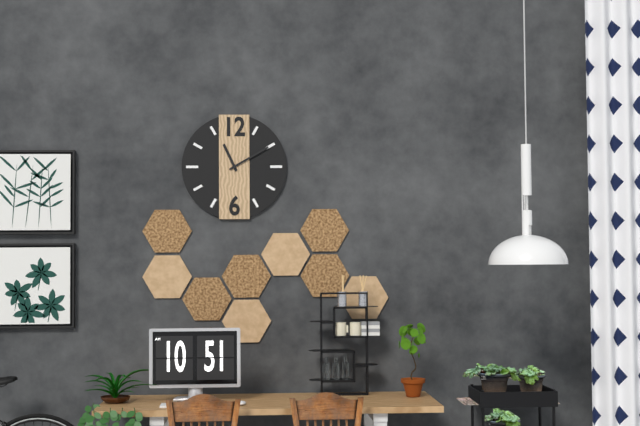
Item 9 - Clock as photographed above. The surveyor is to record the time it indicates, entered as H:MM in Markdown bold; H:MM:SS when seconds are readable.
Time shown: **11:10**
